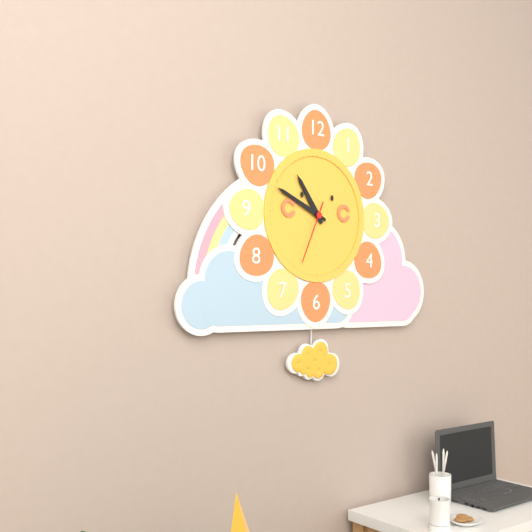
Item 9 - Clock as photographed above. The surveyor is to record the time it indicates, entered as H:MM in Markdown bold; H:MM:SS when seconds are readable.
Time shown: **10:49:34**
